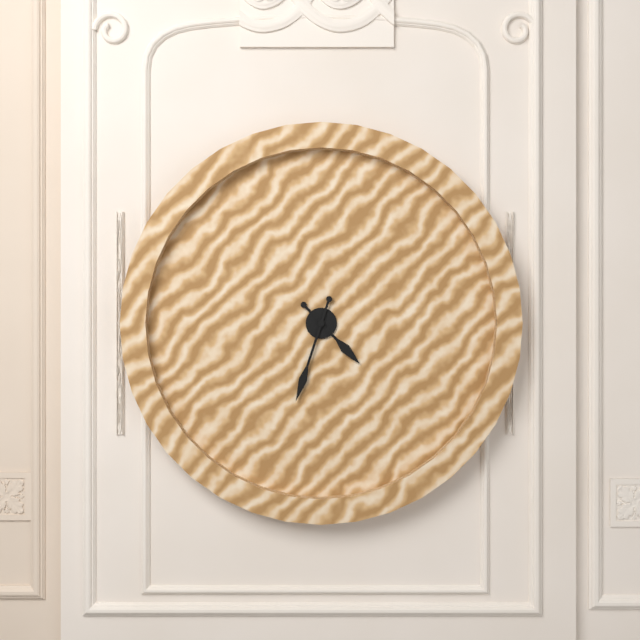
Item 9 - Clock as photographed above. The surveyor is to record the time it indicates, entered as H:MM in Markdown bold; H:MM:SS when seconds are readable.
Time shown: **4:33**
